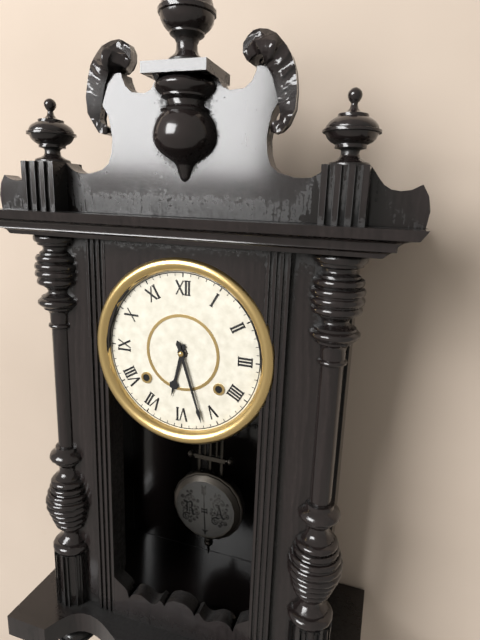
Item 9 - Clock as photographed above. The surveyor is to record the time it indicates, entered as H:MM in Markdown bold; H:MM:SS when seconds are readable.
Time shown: **6:27**
